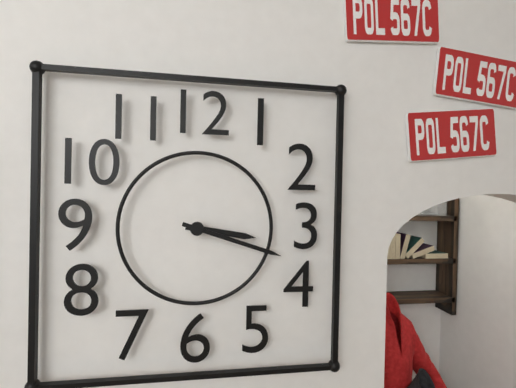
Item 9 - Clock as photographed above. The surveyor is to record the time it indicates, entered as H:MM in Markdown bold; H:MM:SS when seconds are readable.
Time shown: **3:18**
